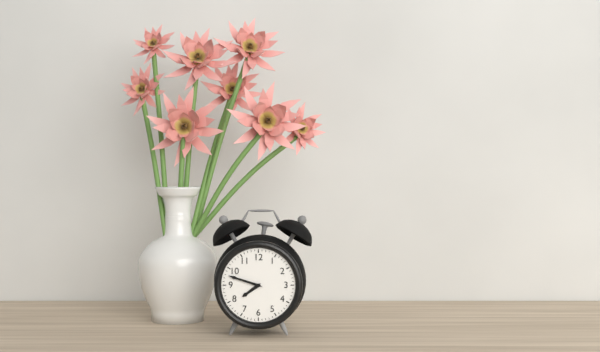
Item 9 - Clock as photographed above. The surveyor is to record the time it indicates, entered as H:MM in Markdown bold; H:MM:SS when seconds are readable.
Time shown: **7:48**
